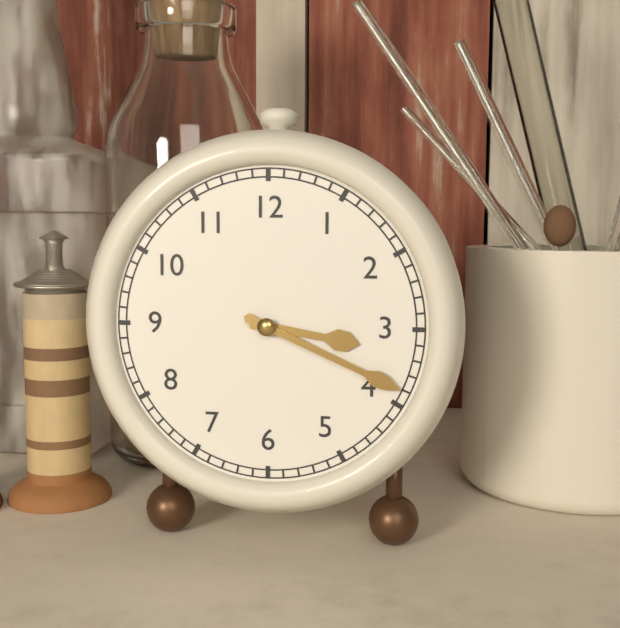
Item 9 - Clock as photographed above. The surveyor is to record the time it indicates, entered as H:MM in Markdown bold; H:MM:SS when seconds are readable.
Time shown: **3:19**
